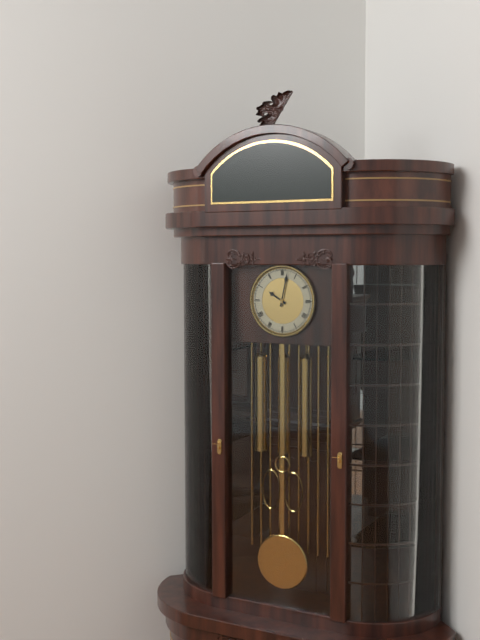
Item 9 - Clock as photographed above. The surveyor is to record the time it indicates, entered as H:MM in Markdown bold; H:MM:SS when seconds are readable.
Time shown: **10:02**
